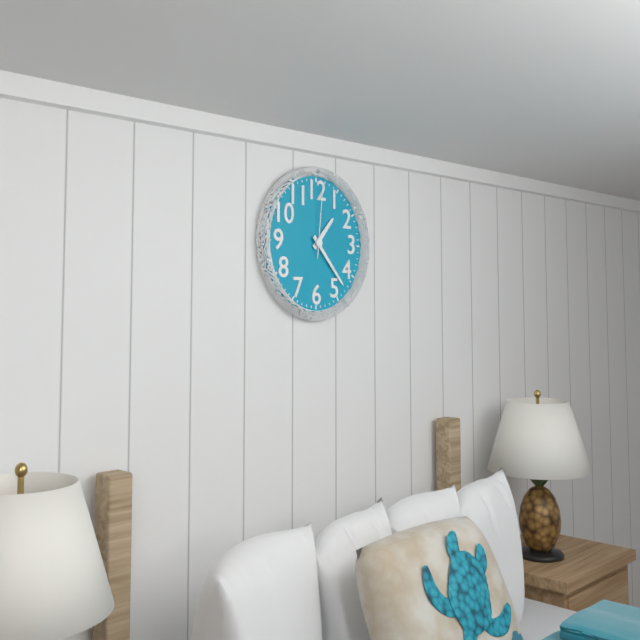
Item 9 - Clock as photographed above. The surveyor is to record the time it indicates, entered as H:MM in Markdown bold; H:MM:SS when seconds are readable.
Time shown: **1:23:01**
